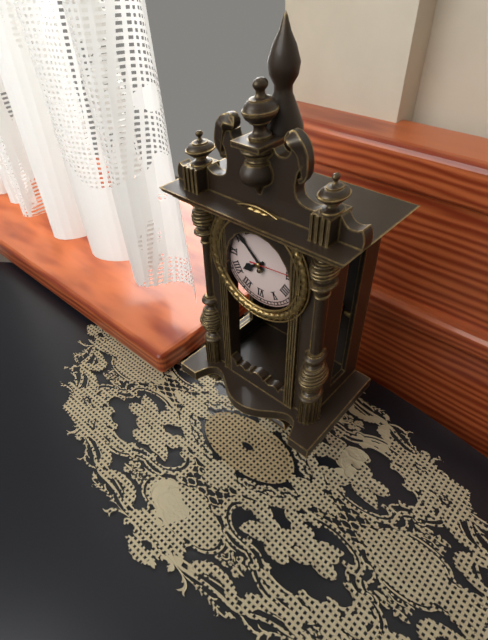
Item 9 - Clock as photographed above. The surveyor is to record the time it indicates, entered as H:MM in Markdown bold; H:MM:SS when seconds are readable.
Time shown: **7:52**
